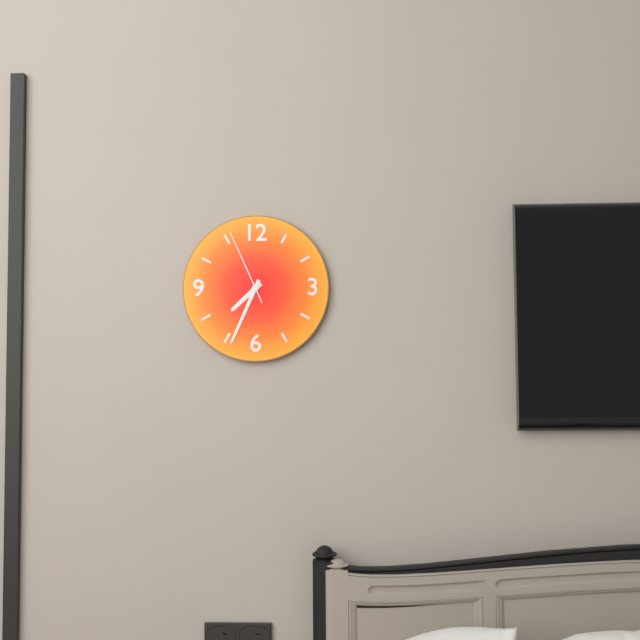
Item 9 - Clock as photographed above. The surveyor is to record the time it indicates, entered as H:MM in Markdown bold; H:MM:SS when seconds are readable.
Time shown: **7:34:56**
